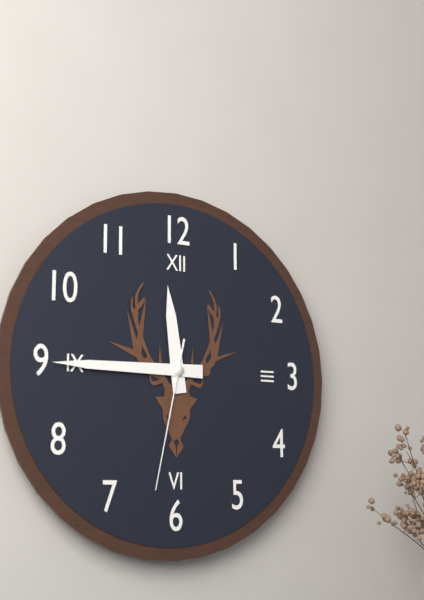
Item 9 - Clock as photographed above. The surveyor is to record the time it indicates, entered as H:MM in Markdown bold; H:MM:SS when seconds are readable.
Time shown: **11:45:32**
